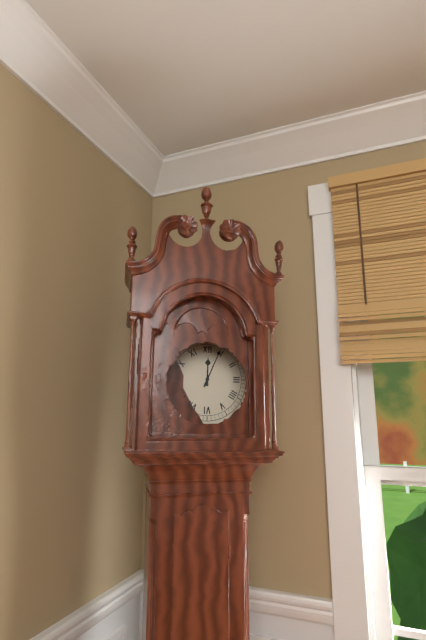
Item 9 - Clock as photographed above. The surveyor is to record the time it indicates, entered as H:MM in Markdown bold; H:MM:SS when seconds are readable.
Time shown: **12:04**
